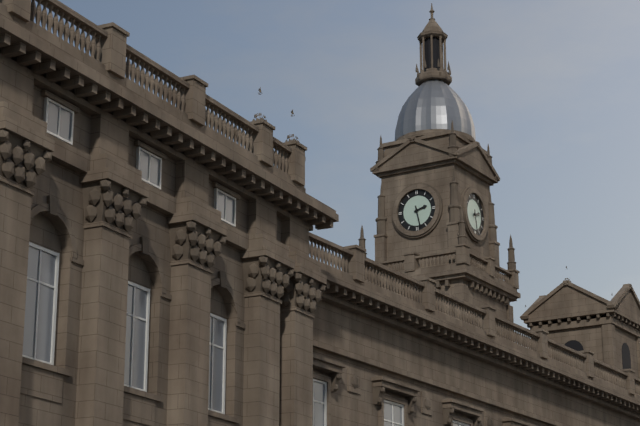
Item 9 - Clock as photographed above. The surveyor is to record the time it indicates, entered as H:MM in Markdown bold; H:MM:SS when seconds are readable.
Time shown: **2:28**
